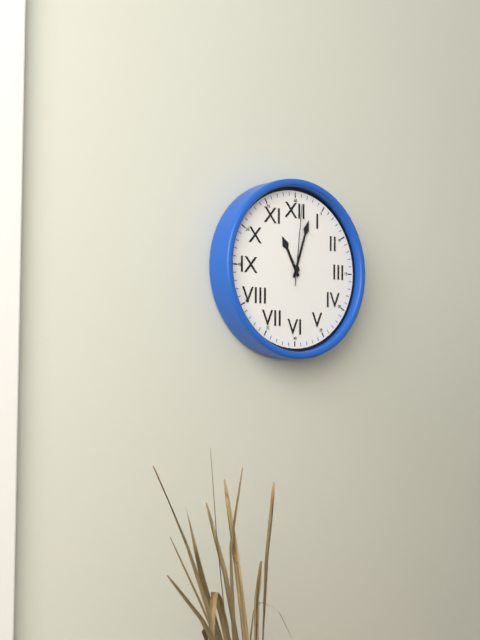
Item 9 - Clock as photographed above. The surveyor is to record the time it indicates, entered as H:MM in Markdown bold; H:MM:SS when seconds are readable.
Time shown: **11:03:01**
